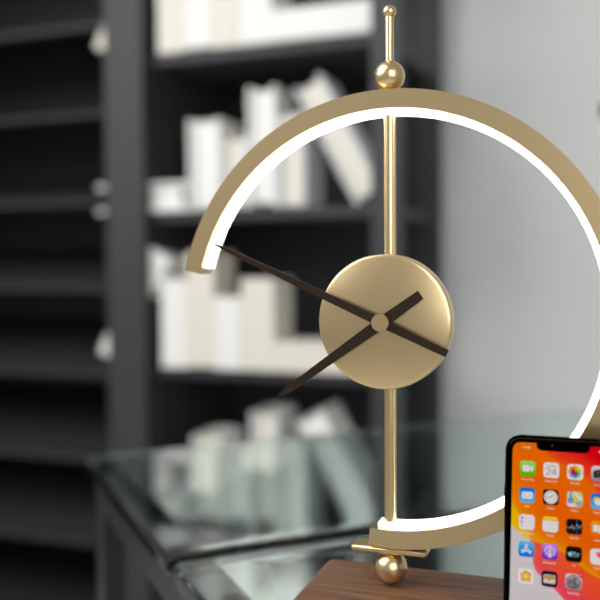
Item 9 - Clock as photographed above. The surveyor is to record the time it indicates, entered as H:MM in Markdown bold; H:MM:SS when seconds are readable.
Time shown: **7:49**
